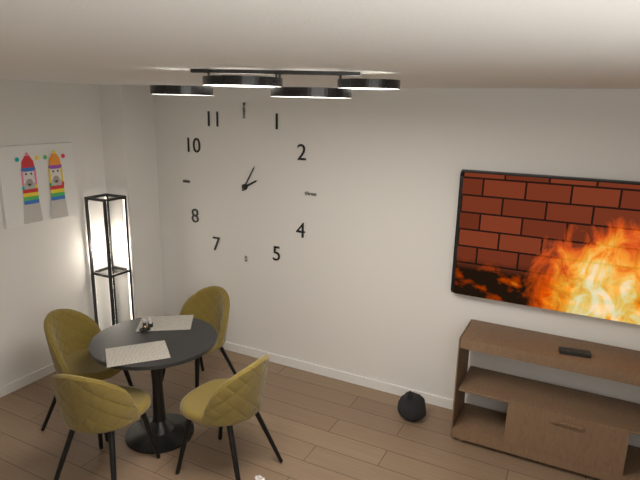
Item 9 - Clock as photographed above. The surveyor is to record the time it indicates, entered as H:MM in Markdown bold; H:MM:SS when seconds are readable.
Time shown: **2:05**
